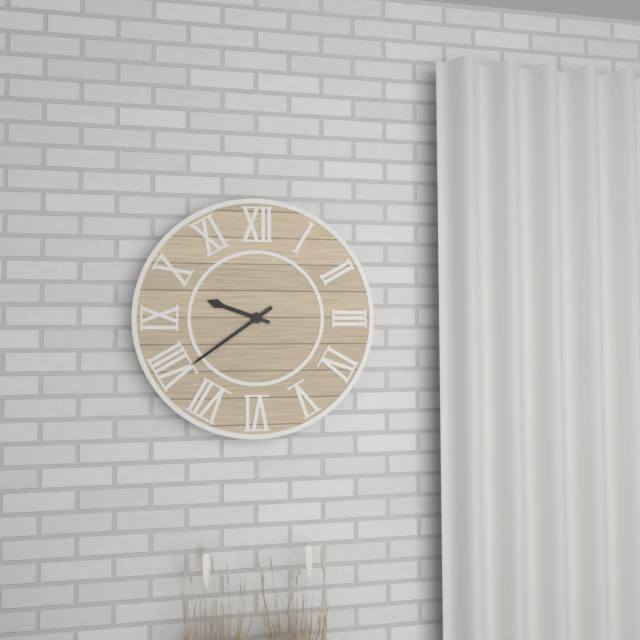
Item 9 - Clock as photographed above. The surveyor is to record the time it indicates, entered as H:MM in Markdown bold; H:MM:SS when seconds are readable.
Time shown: **9:39**
